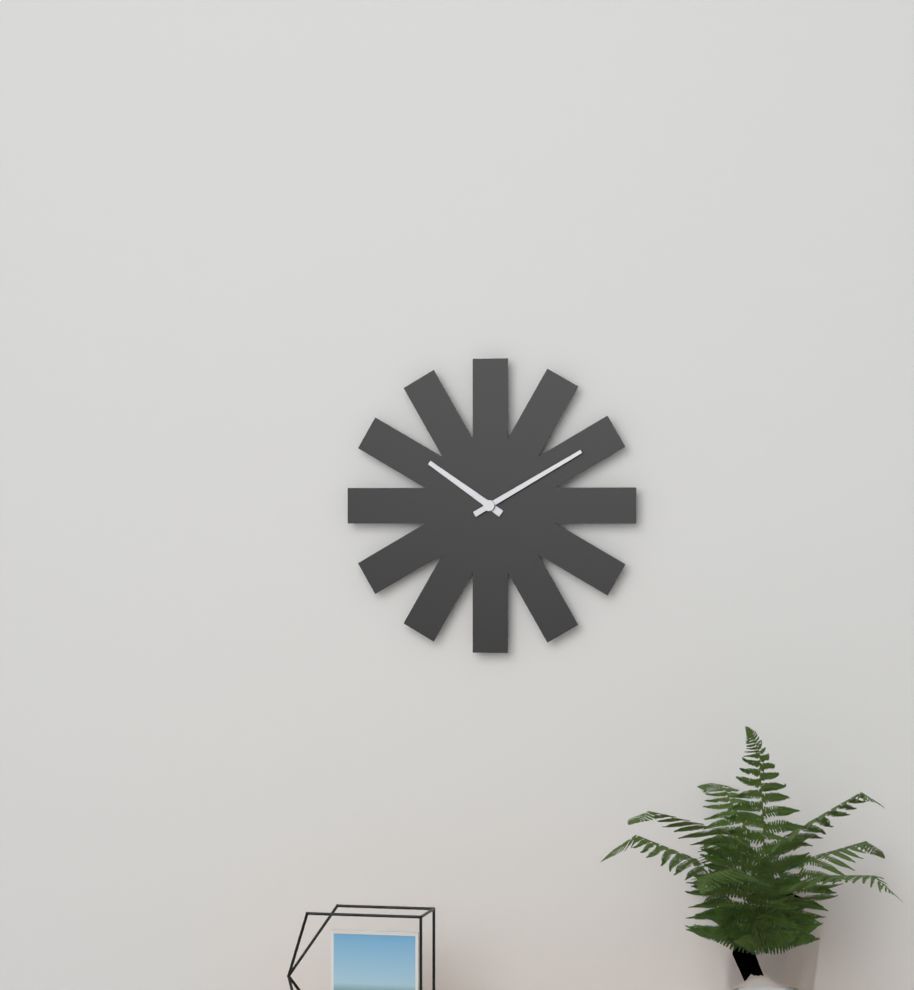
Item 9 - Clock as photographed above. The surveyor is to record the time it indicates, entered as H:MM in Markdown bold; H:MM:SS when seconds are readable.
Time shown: **10:10**
